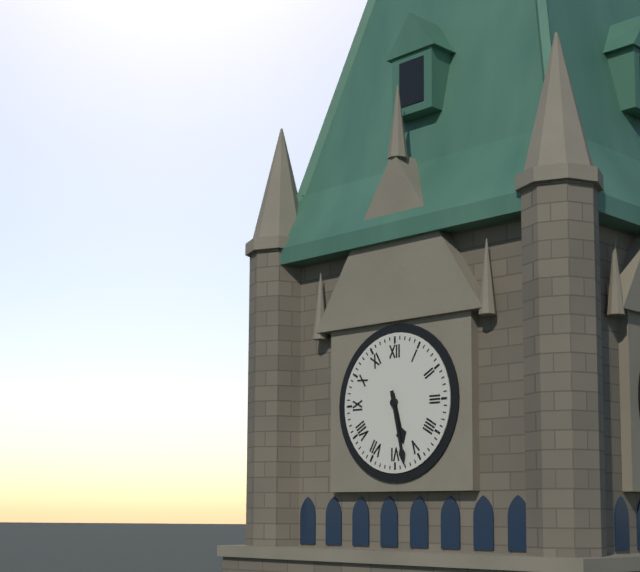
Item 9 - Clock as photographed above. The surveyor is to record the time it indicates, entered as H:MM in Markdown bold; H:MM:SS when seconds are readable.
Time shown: **5:28**
